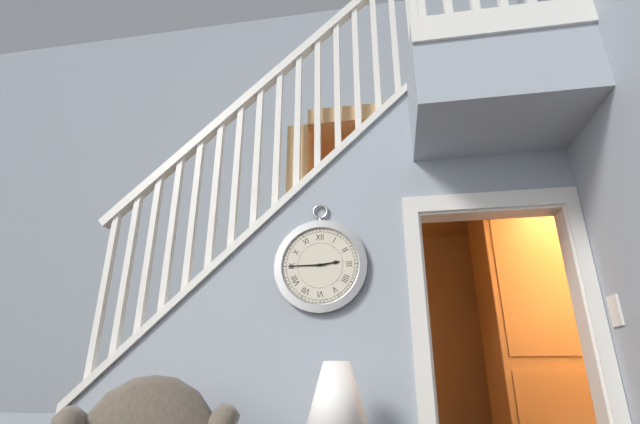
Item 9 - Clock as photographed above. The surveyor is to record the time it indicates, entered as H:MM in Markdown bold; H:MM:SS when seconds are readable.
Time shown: **2:45**
